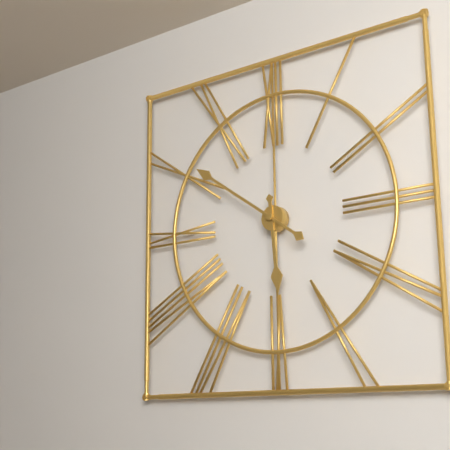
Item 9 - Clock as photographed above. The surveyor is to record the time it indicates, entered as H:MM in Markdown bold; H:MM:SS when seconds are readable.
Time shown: **5:51**
